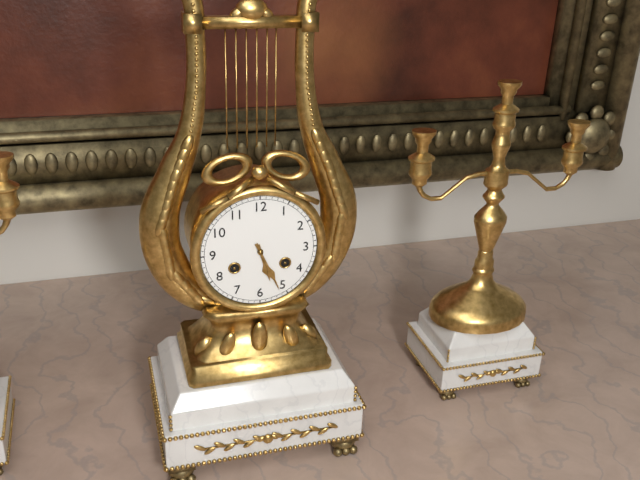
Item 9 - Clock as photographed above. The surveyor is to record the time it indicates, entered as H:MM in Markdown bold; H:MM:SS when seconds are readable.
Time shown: **5:26**
